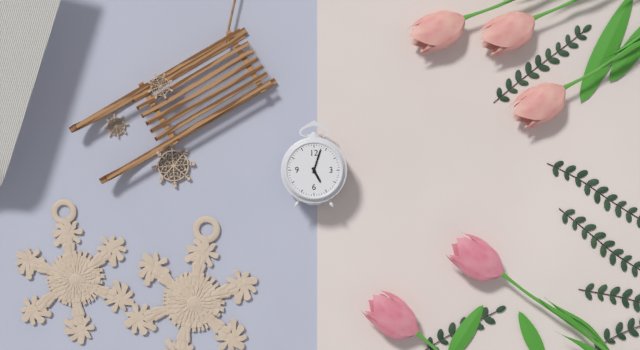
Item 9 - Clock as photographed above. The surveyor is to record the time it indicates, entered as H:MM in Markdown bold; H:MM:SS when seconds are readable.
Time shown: **5:03**
